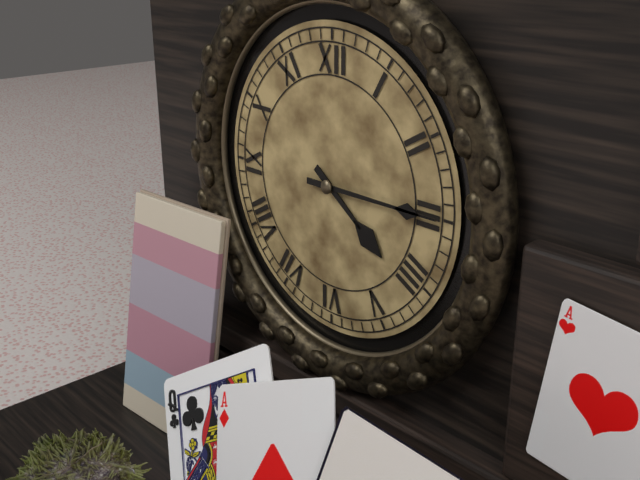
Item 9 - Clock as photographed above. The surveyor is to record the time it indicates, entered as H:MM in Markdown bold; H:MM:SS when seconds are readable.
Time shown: **4:15**
